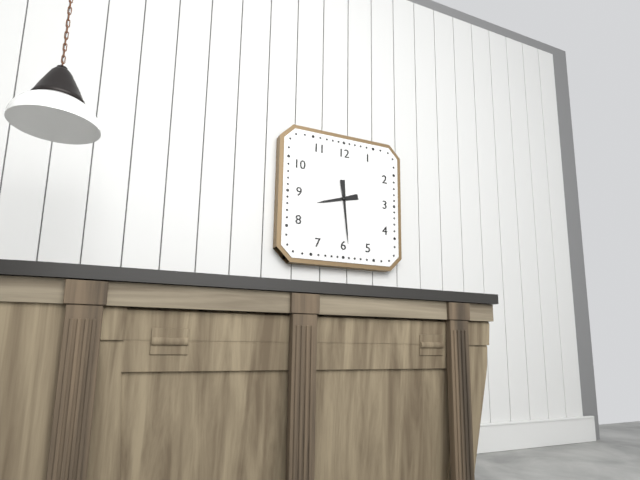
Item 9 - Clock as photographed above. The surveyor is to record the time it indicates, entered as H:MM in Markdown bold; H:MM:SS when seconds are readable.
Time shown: **8:29**
